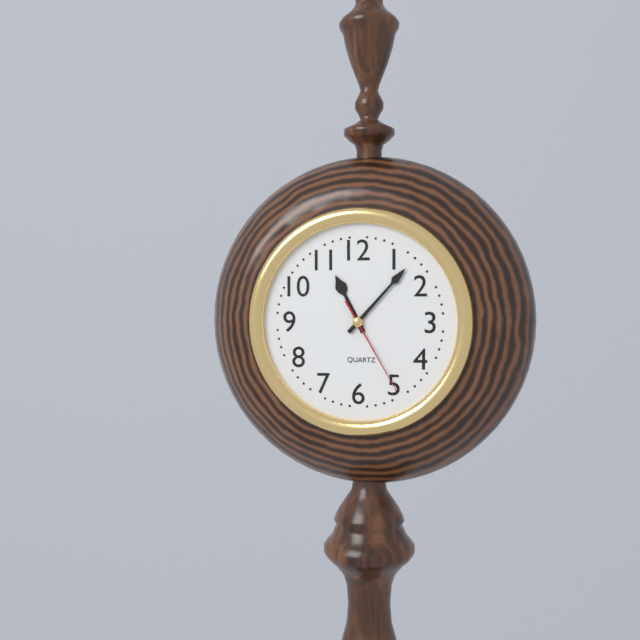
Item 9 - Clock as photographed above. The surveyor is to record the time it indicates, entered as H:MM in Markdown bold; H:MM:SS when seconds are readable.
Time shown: **11:07:25**
